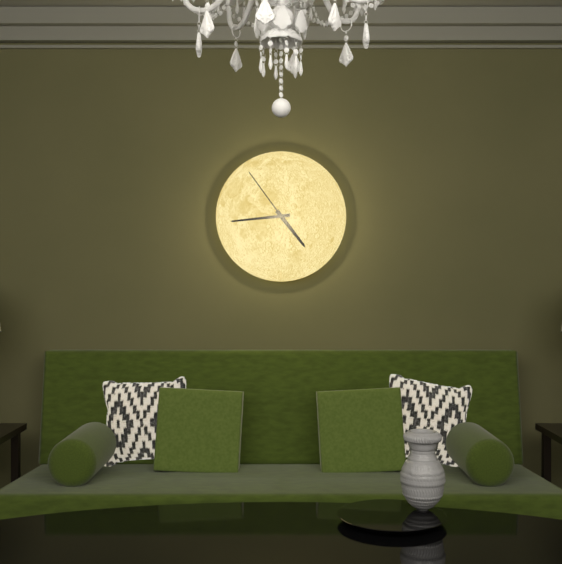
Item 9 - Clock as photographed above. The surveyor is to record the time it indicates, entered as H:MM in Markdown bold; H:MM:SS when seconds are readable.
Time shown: **4:44:54**
